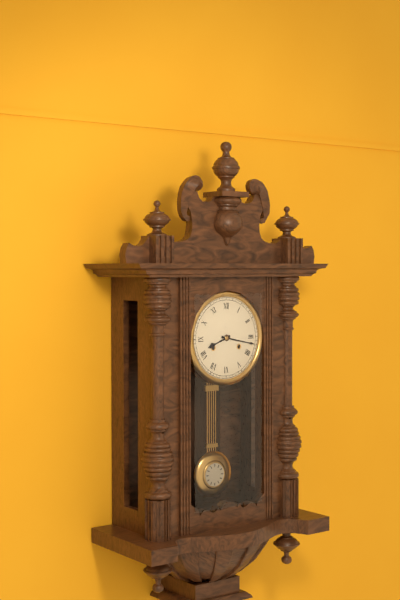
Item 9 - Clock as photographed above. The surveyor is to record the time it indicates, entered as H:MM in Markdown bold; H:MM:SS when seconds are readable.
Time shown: **8:17**
